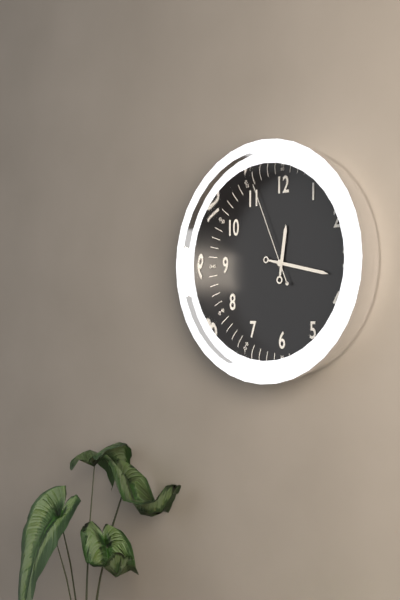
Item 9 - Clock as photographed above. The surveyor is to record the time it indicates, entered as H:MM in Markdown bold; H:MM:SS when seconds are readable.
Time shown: **12:17:56**
